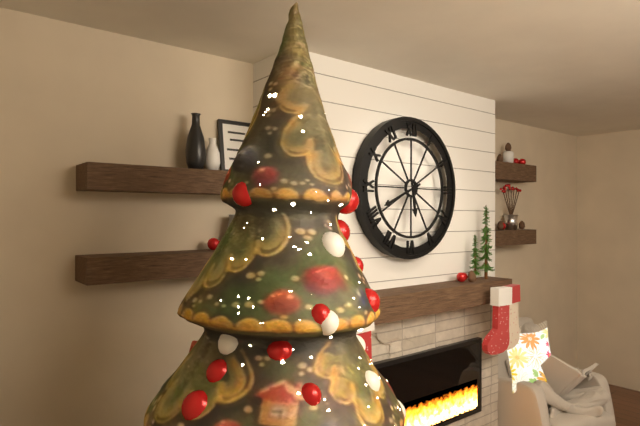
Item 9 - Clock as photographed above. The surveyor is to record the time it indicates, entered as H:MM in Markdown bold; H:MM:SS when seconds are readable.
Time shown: **5:41**
